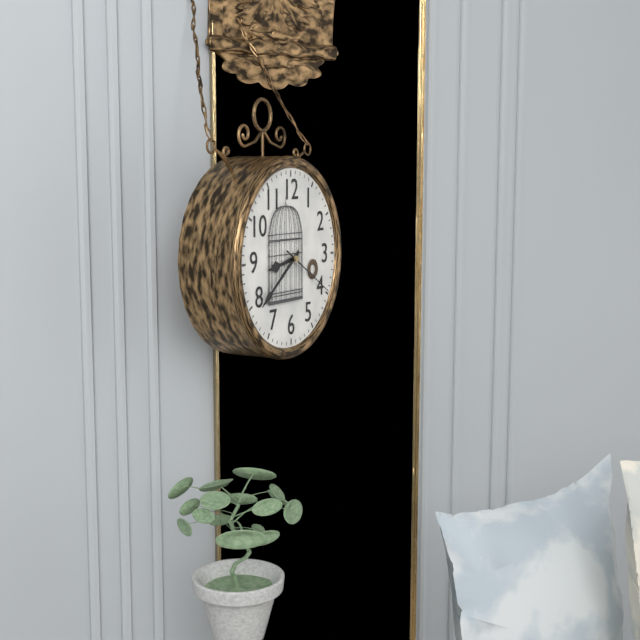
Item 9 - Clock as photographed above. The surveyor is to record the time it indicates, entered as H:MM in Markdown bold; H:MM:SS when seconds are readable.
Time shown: **8:39:20**
